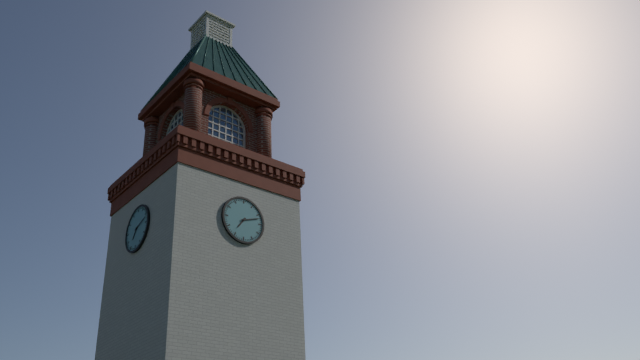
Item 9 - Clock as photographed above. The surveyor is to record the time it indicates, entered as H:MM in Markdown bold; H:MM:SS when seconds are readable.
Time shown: **7:12**
